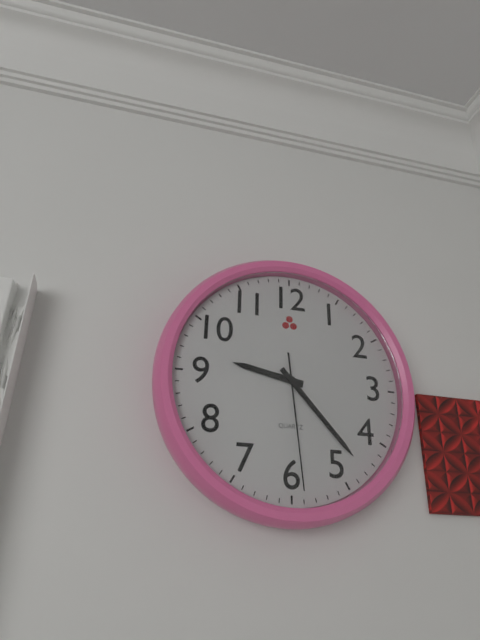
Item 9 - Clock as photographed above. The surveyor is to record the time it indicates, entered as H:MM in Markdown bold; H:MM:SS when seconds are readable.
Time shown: **9:23:29**
